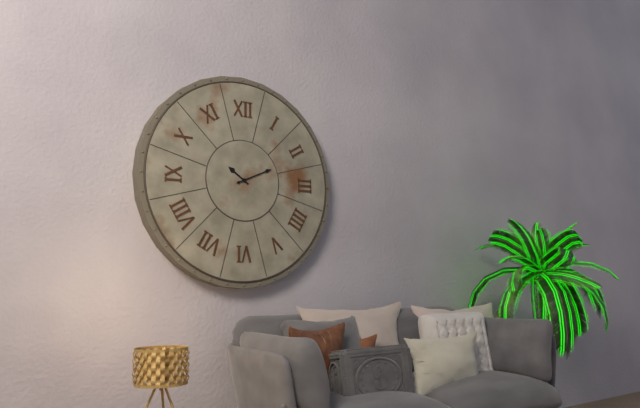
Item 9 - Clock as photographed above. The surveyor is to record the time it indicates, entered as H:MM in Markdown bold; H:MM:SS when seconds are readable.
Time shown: **10:11**
